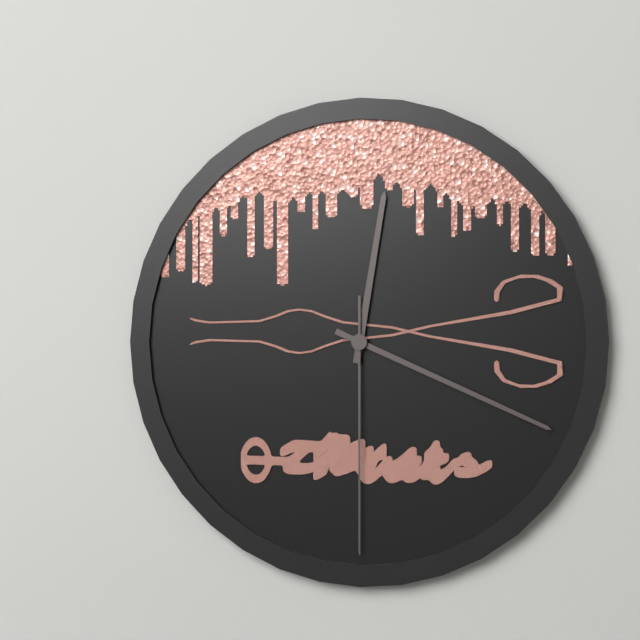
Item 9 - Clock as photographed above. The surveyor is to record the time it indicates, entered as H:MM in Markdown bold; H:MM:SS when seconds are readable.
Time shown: **12:19:30**
